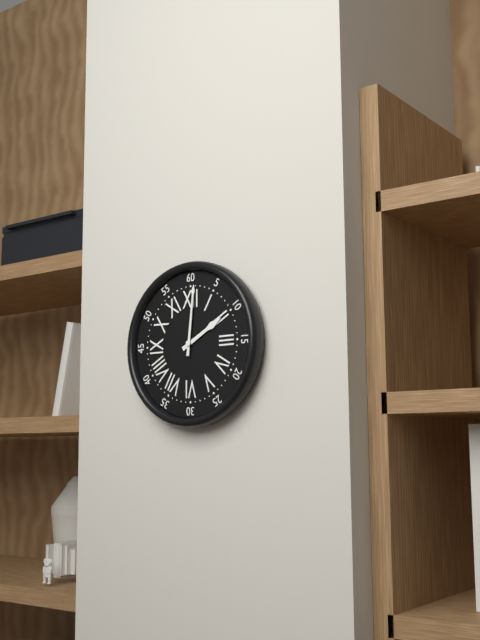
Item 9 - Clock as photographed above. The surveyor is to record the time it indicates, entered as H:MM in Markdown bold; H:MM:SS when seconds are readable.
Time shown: **2:01**
